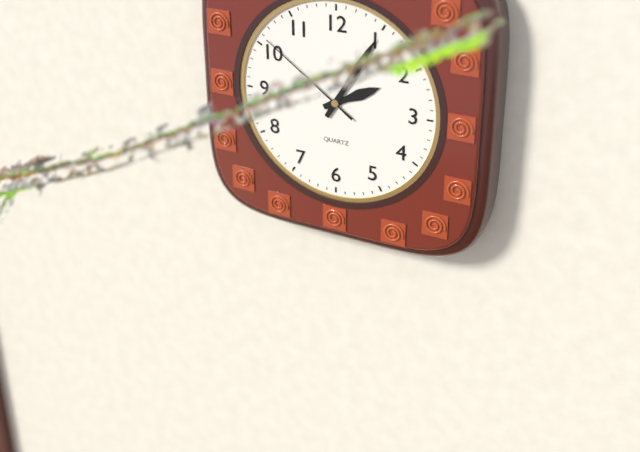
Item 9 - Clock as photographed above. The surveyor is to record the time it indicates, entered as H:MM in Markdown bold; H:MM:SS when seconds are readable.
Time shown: **2:05:51**
